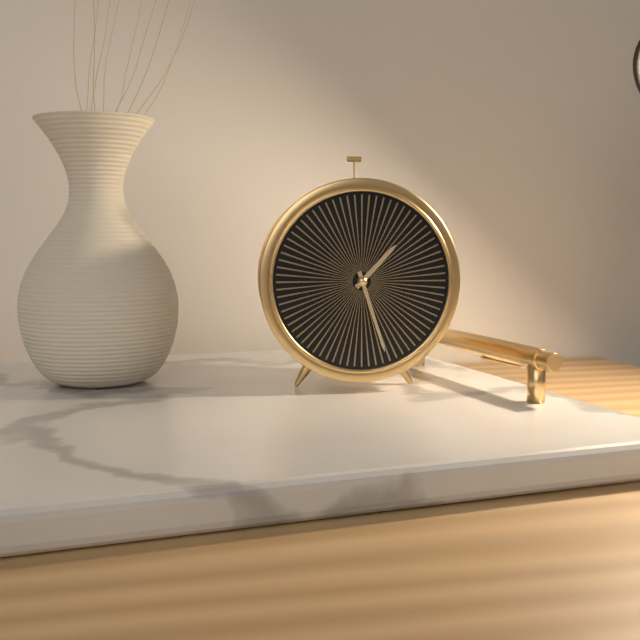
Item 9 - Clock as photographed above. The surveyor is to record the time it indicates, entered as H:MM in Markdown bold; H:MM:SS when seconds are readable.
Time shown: **1:27**
